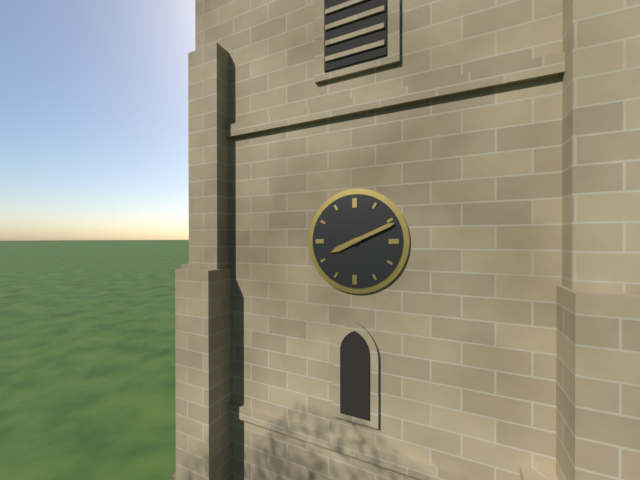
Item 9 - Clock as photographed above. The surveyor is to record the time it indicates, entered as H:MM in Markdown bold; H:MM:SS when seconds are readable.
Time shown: **8:11**
